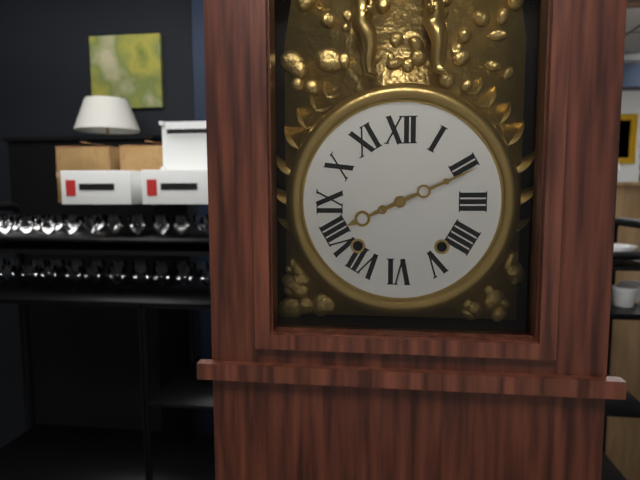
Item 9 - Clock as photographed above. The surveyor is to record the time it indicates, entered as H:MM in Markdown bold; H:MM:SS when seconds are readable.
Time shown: **8:11**
